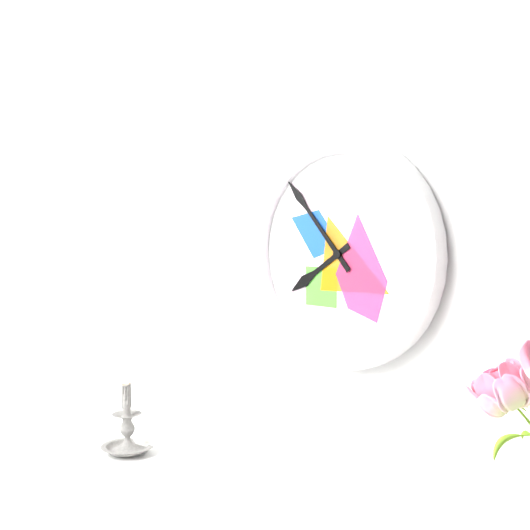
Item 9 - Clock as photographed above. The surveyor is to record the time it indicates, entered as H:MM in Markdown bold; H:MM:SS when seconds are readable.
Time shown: **7:53**
